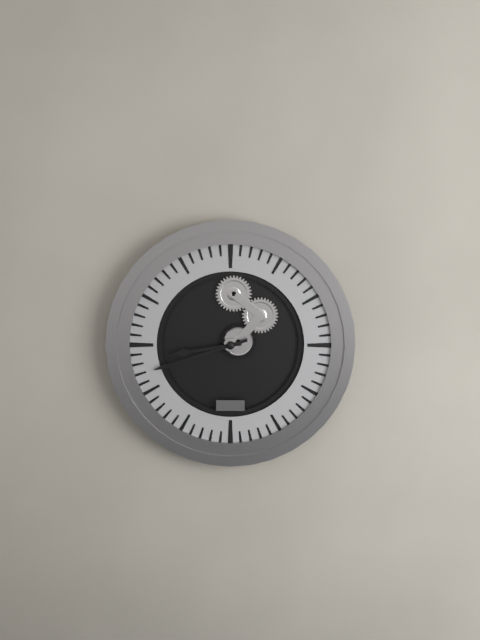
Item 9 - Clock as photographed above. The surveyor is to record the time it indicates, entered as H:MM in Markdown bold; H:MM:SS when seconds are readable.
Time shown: **8:42**
